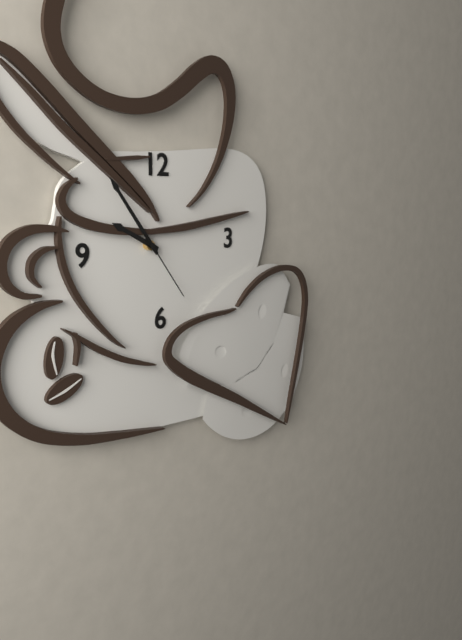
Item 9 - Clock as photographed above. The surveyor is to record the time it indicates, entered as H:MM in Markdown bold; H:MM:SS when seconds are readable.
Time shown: **9:54:24**
